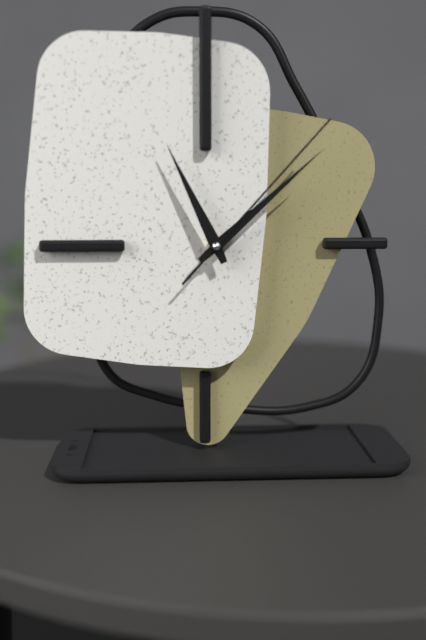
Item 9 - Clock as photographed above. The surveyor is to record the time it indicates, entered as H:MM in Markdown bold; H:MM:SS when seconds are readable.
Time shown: **11:08:07**
